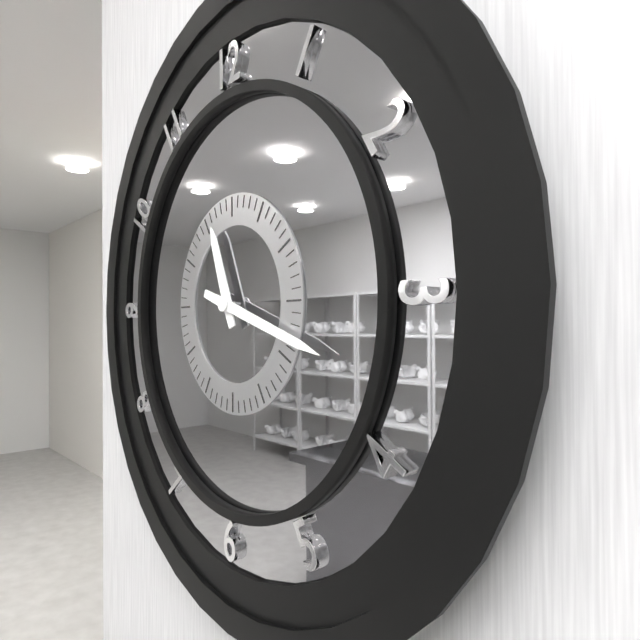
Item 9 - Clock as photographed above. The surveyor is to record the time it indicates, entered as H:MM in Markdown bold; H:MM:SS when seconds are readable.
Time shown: **11:18**
